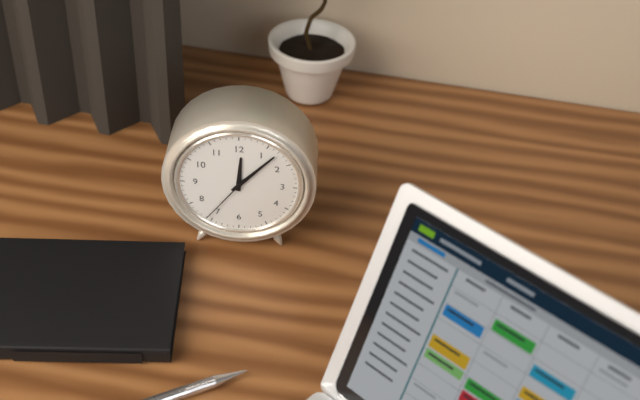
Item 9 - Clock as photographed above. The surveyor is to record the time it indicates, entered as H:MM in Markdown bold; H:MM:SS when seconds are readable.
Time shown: **12:07:36**
